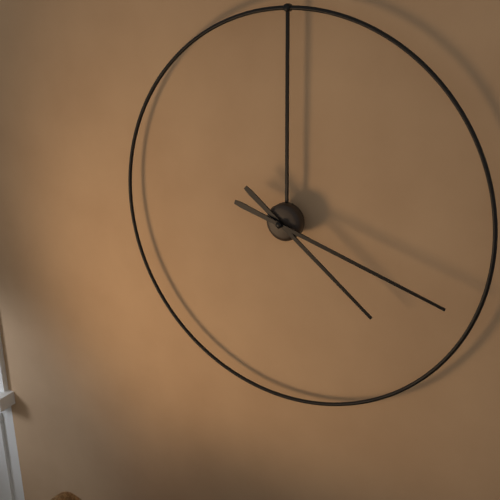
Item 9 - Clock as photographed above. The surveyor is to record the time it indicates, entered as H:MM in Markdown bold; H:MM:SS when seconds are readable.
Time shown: **4:18**
